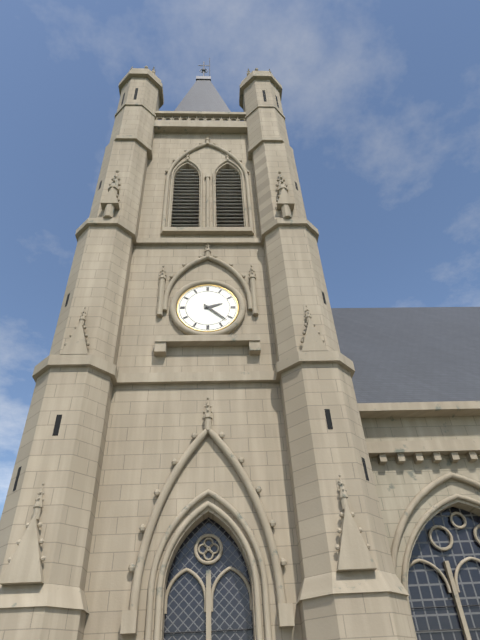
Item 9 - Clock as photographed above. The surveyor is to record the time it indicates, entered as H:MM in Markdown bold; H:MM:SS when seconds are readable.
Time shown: **2:22**
